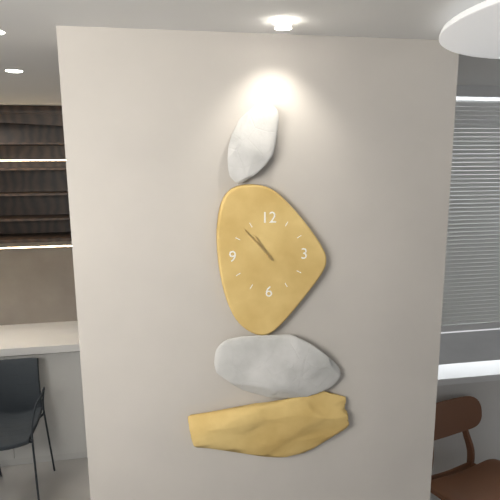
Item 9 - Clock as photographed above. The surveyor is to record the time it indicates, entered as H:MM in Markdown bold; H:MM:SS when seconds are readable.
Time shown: **10:53**
